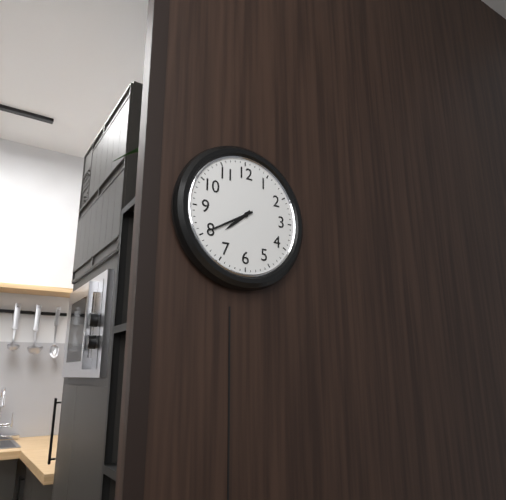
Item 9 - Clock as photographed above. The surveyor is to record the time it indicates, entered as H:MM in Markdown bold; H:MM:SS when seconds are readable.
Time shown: **7:40**
